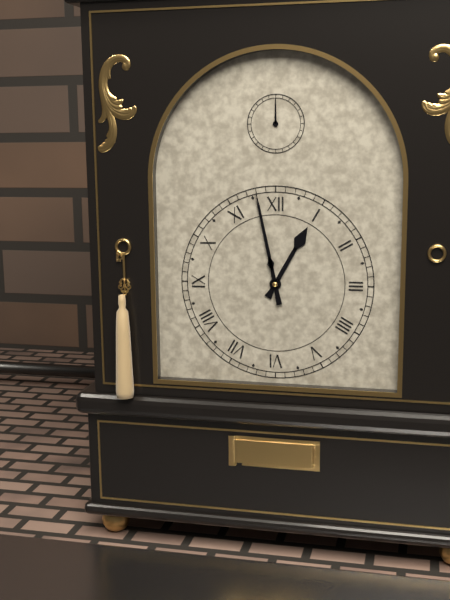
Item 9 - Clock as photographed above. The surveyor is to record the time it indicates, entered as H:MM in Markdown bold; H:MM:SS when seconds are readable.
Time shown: **12:58**
